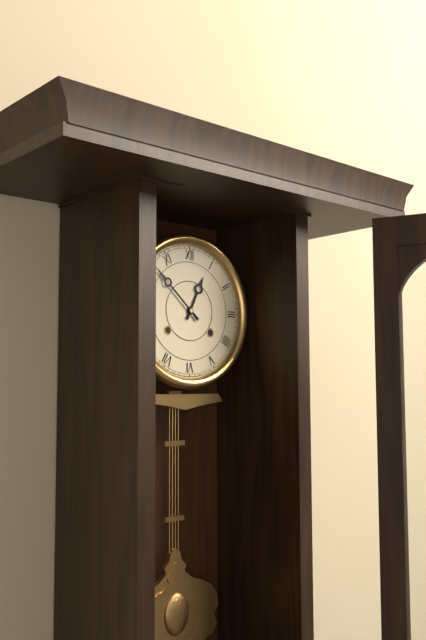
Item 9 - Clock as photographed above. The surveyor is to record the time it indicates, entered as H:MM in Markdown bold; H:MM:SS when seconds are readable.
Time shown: **12:52**
